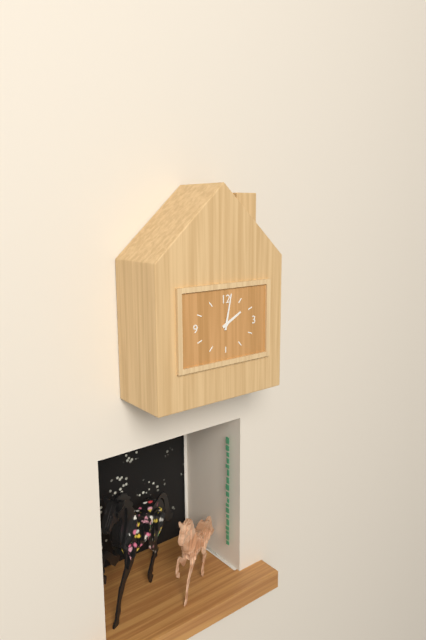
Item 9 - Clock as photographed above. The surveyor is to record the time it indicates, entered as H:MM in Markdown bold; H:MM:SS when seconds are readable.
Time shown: **2:02**
